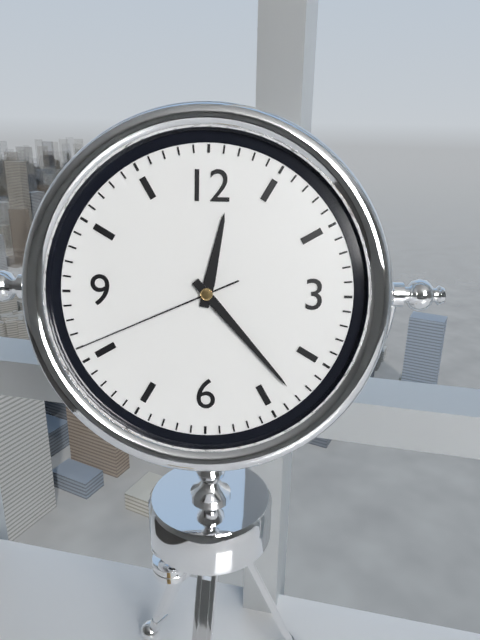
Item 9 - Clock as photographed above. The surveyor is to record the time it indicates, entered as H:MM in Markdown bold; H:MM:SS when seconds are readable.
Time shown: **12:23:41**
